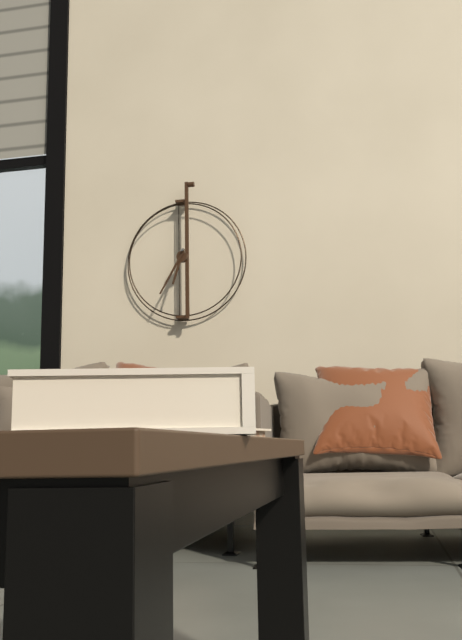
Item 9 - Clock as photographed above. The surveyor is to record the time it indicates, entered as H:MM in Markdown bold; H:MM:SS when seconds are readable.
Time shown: **6:35**
